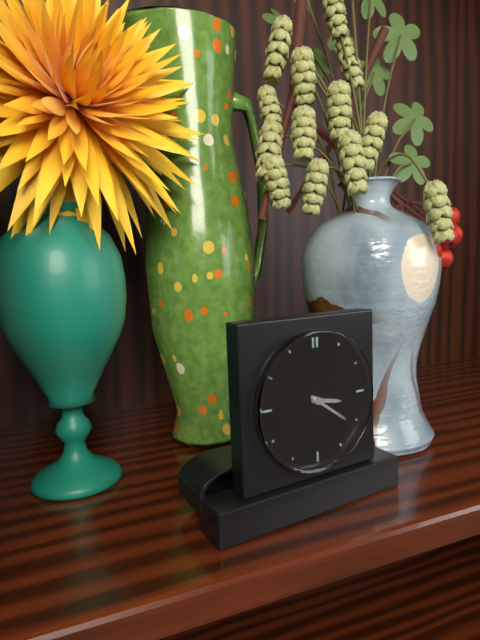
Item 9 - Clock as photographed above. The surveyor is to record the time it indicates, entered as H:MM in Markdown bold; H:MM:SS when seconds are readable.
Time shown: **3:21**
